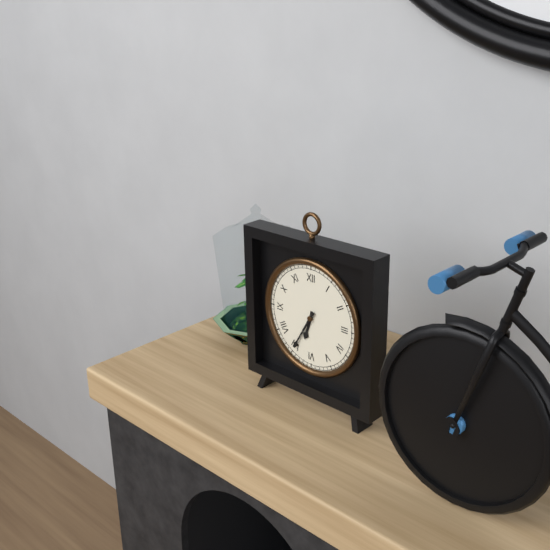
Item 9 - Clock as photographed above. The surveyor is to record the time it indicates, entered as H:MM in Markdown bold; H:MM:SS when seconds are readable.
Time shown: **6:35**
